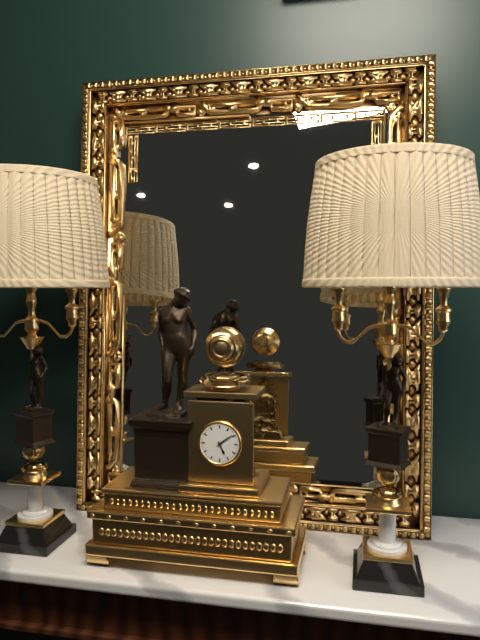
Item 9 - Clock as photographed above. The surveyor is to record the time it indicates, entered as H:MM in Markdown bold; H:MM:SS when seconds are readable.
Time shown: **5:09**
